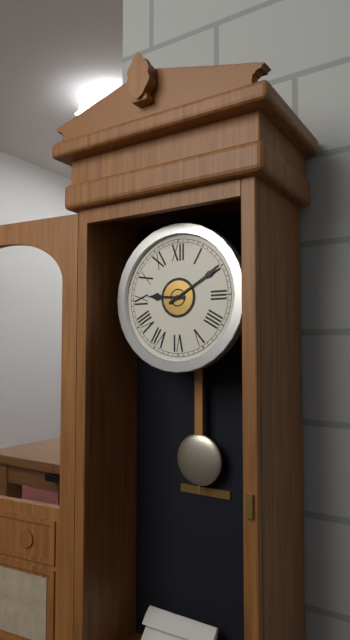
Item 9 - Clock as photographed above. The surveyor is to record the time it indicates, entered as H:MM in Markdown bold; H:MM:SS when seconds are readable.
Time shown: **9:10**
